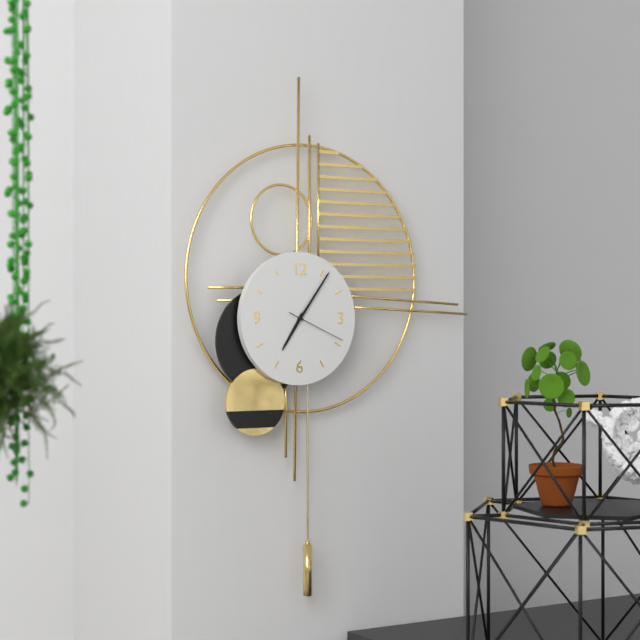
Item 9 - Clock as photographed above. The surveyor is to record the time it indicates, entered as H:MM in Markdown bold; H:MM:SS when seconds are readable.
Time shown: **7:06:19**
